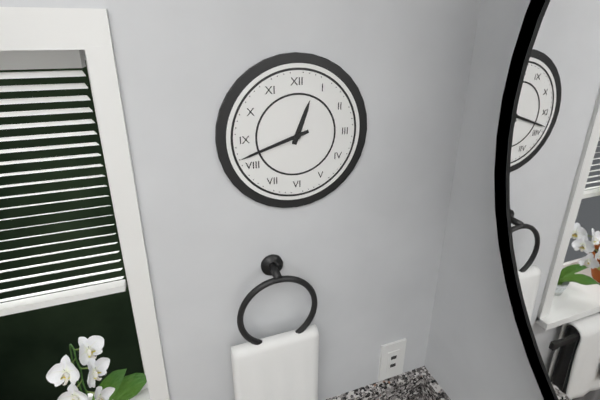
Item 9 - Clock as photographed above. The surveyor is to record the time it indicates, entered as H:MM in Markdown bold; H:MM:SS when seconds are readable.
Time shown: **12:42**
